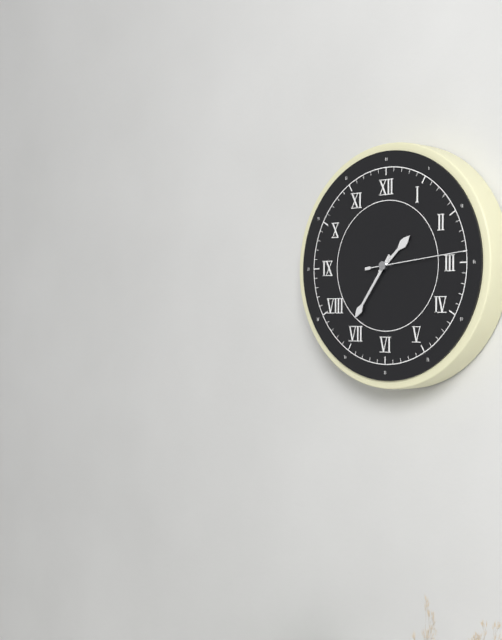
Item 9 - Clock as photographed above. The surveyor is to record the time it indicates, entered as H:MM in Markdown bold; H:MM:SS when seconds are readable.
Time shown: **1:36:14**
